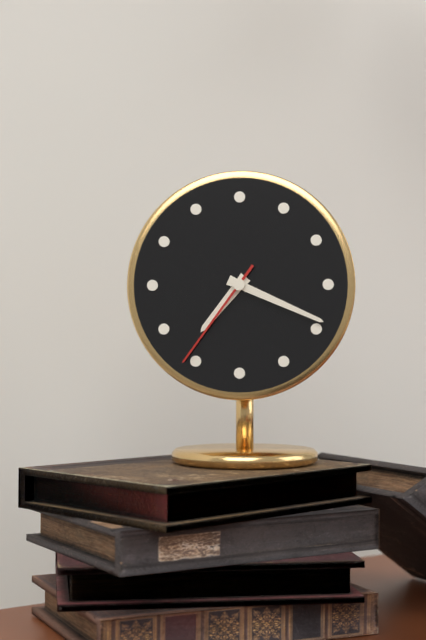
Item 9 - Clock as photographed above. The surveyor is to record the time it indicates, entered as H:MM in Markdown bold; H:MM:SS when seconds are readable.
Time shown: **7:19:36**
